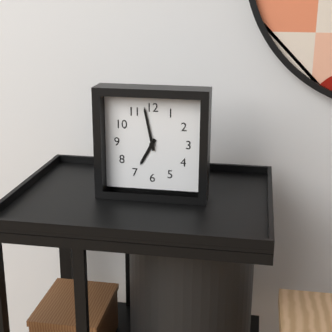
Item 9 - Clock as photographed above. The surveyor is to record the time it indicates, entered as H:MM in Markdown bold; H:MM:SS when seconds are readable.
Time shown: **6:58**
